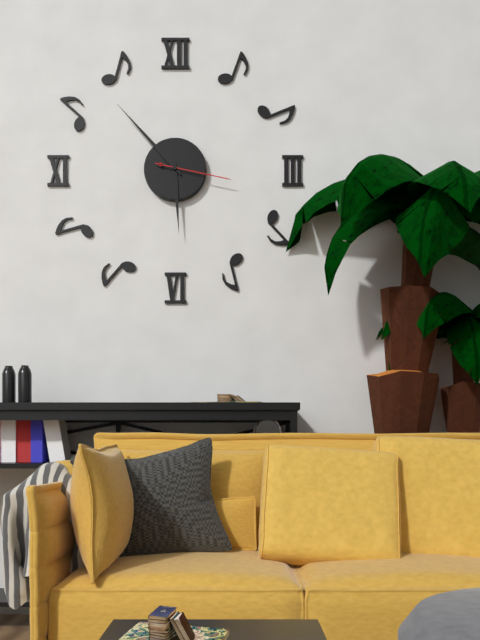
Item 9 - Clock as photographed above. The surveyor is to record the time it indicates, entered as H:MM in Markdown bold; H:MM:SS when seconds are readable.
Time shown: **5:53:17**
